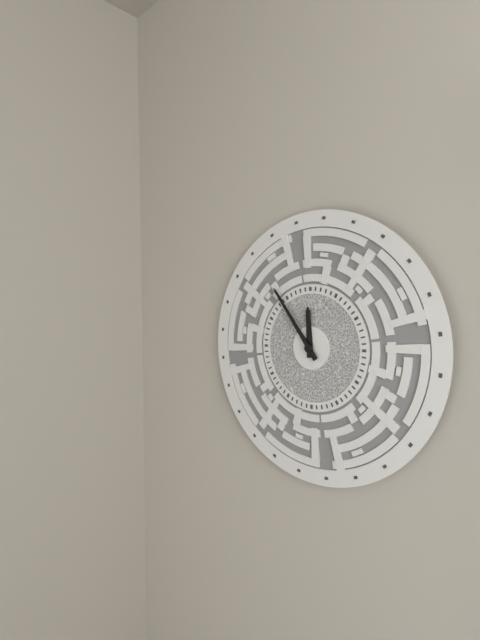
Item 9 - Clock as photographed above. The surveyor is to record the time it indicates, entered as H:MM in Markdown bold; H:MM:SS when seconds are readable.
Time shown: **11:54**
